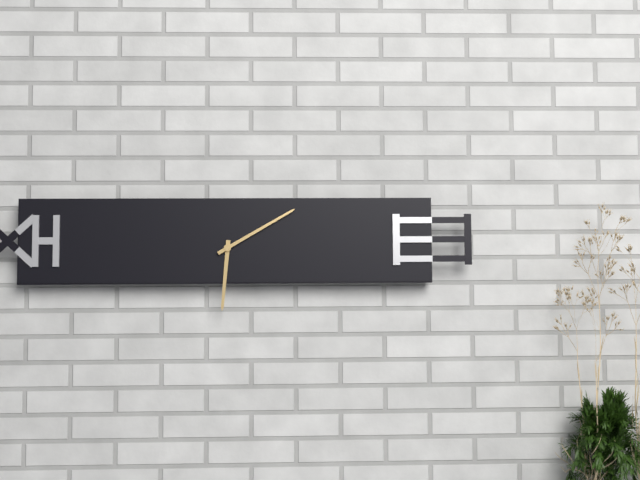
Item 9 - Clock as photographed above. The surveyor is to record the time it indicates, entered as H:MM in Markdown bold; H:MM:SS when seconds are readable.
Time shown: **6:10**
